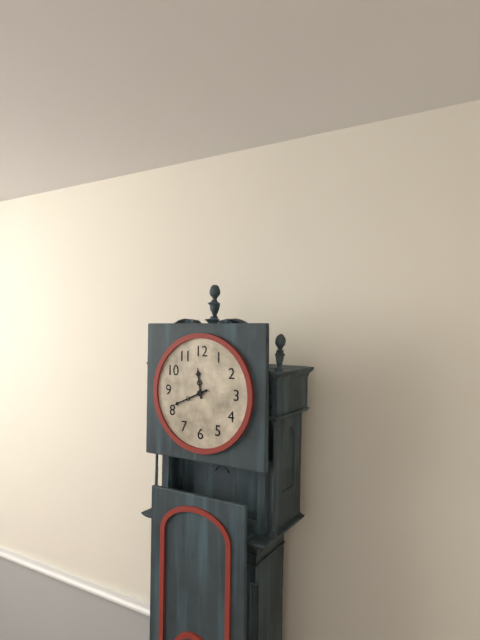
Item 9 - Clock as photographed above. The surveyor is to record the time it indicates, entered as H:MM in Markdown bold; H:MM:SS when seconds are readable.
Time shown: **11:41**
